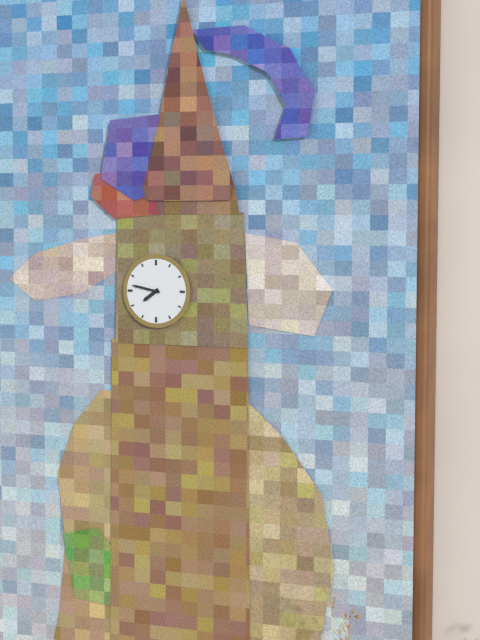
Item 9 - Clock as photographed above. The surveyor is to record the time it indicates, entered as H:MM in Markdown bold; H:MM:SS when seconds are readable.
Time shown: **7:47**
